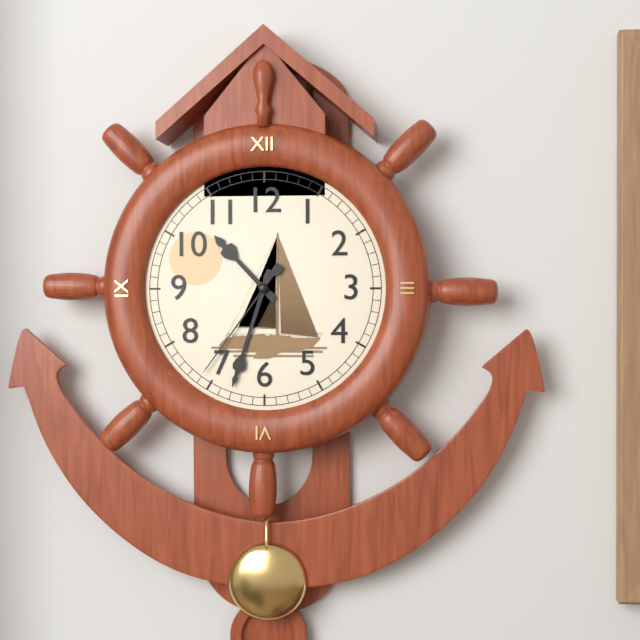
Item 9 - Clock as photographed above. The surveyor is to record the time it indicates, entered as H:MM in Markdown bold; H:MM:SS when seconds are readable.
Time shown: **10:33:36**
